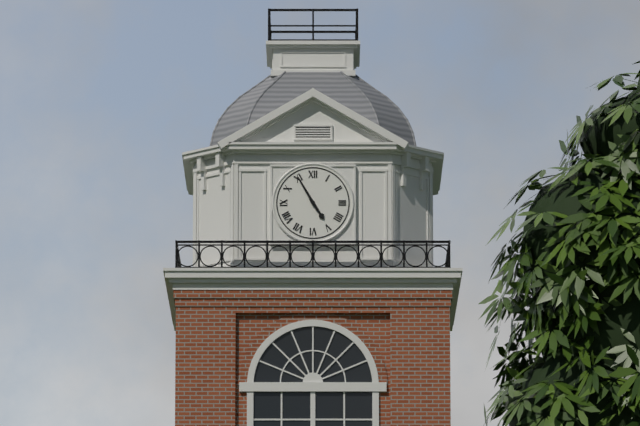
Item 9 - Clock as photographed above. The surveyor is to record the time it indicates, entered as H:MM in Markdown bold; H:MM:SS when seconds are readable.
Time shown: **4:55**
